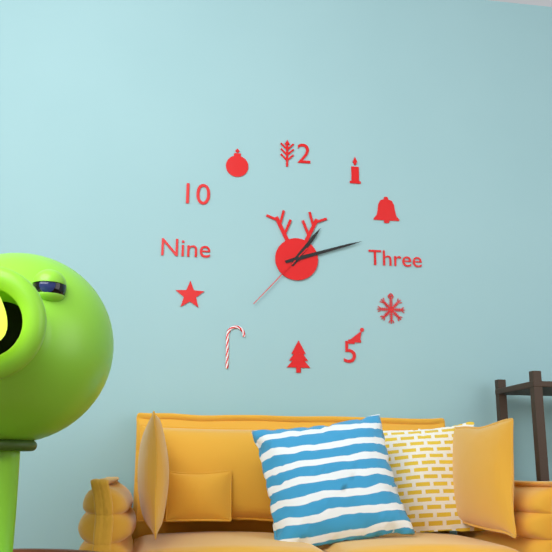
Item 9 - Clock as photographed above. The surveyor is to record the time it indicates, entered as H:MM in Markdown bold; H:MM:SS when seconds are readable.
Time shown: **1:12:37**
